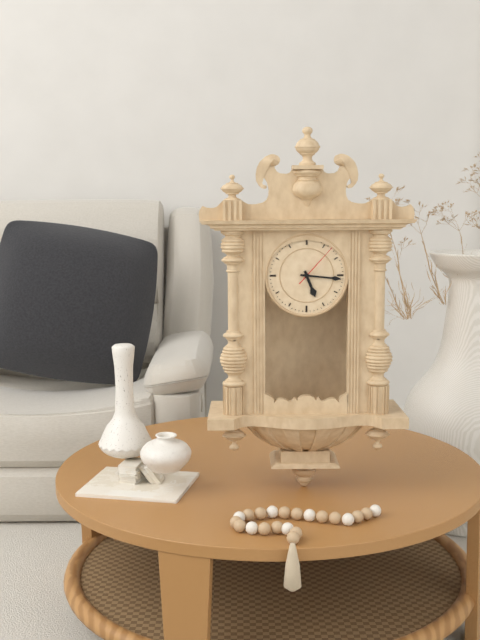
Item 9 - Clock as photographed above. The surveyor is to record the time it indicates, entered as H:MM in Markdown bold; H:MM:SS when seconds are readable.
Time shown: **5:16**
